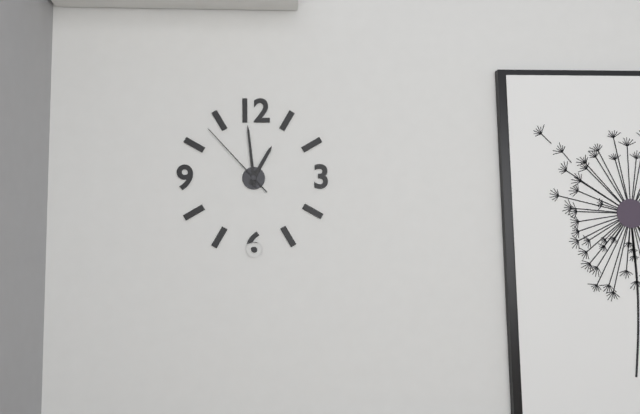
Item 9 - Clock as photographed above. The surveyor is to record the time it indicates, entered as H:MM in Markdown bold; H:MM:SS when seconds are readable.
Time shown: **12:59:53**
